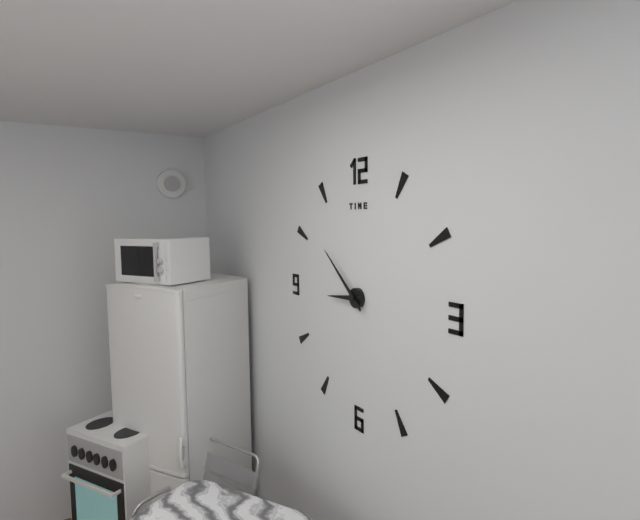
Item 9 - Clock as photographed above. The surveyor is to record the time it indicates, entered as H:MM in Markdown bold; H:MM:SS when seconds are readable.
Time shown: **8:52**
